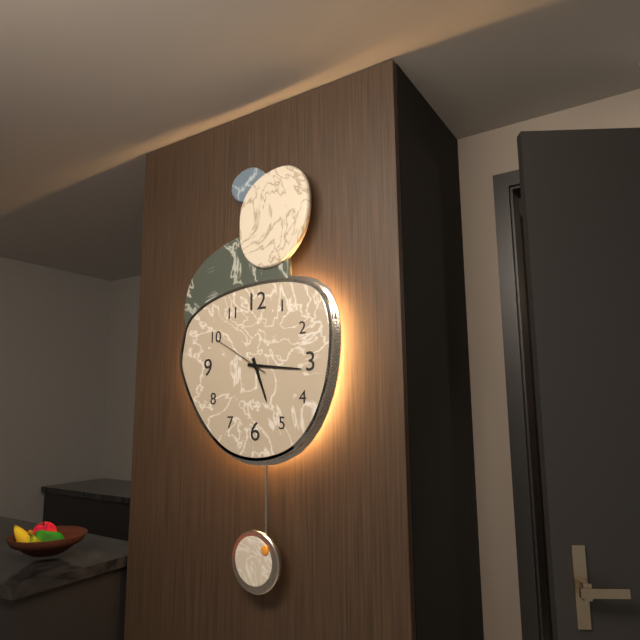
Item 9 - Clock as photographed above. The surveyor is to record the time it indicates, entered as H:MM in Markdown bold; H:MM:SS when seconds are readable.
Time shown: **5:16:50**
